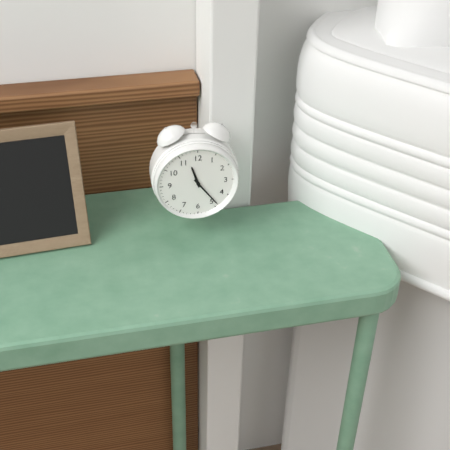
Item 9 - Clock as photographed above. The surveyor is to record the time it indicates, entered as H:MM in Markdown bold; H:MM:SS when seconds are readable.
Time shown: **11:24**
